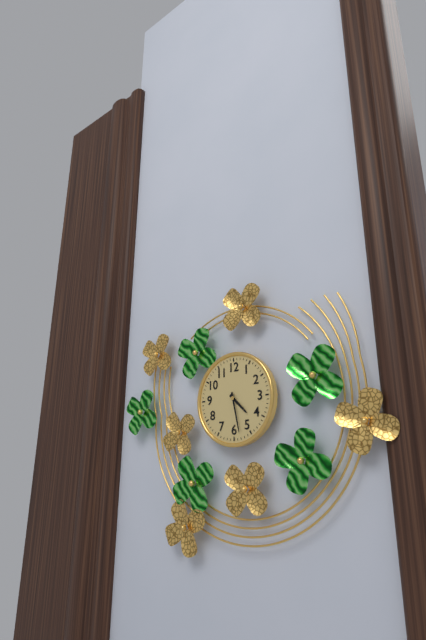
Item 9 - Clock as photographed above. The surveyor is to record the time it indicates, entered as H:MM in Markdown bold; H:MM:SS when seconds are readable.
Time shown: **4:28**
